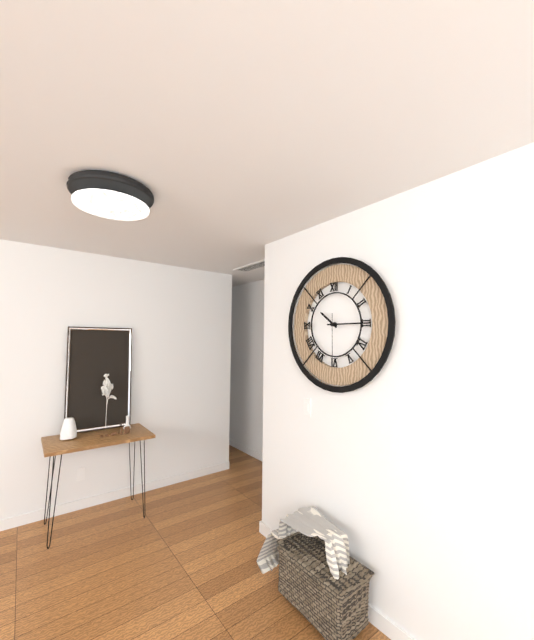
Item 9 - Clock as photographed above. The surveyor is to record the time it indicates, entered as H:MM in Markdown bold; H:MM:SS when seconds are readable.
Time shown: **10:15**
